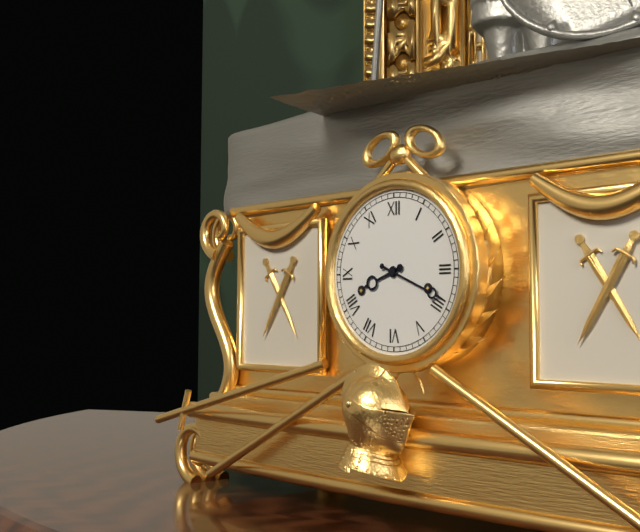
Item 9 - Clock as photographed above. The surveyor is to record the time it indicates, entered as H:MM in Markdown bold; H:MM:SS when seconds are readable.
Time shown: **8:19**
